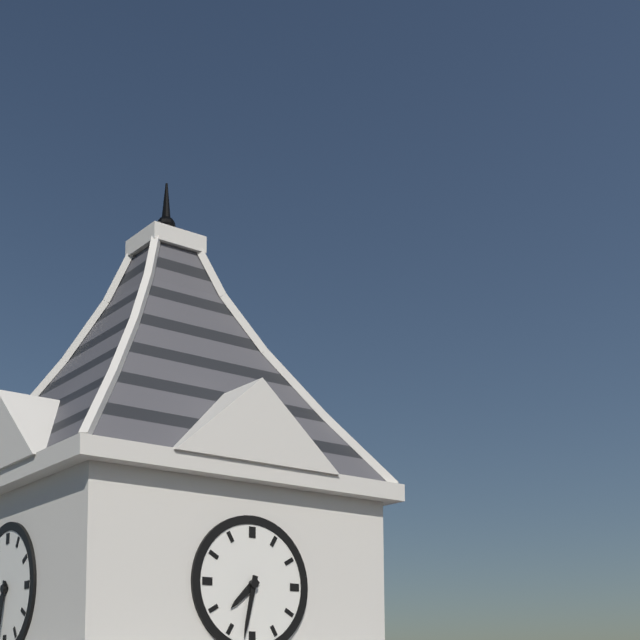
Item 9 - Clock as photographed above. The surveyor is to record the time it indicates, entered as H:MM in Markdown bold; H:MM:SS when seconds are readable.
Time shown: **7:32**
